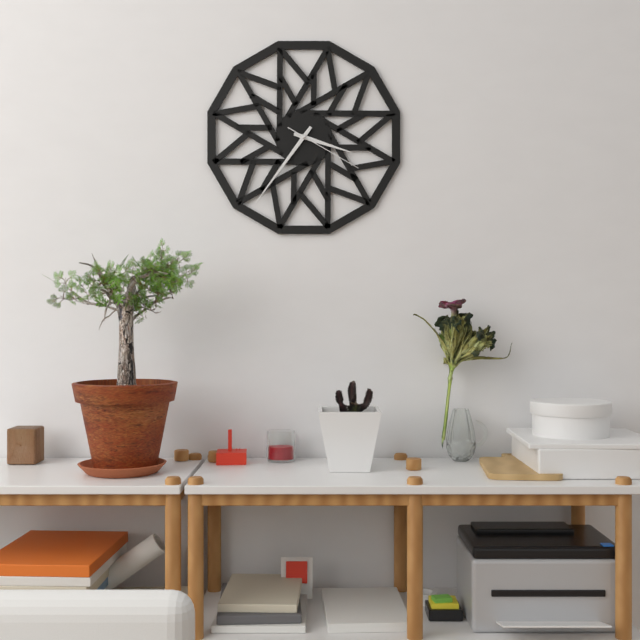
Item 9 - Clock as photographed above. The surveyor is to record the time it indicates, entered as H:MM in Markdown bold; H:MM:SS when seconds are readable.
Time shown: **3:36:20**
